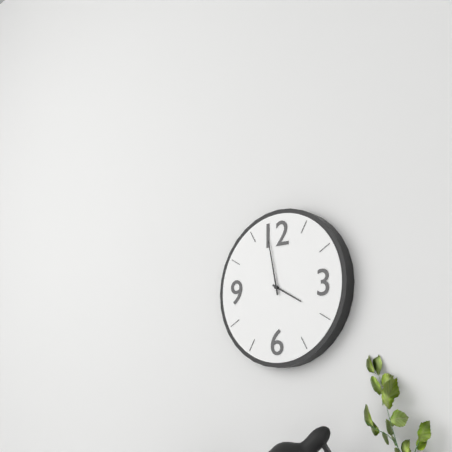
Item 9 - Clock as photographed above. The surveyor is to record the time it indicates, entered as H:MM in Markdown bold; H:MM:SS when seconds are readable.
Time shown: **3:58**
